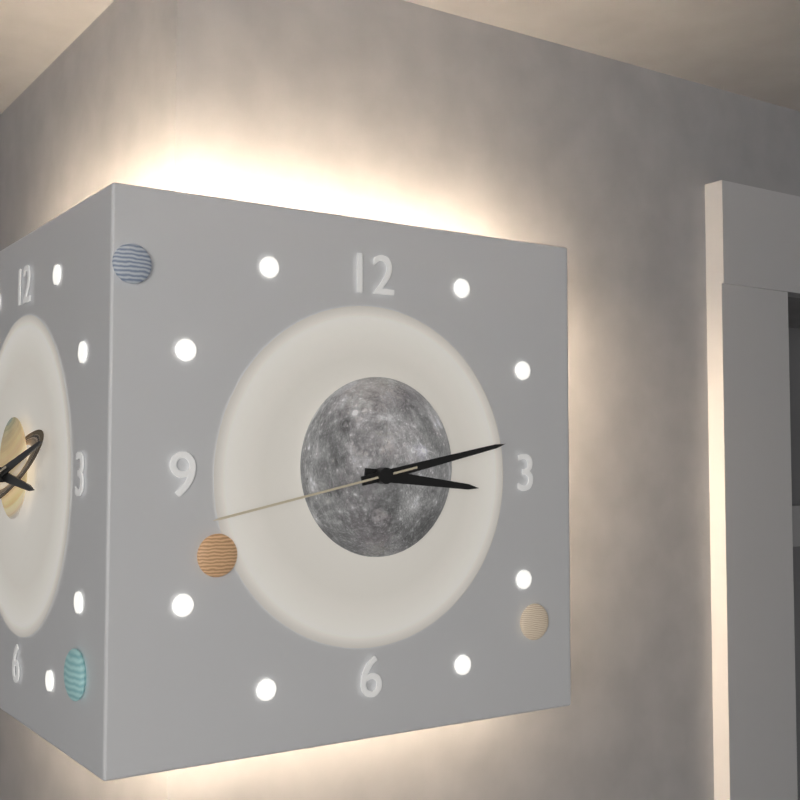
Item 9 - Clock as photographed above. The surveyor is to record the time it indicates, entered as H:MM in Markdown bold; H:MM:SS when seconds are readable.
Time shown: **3:13:43**
